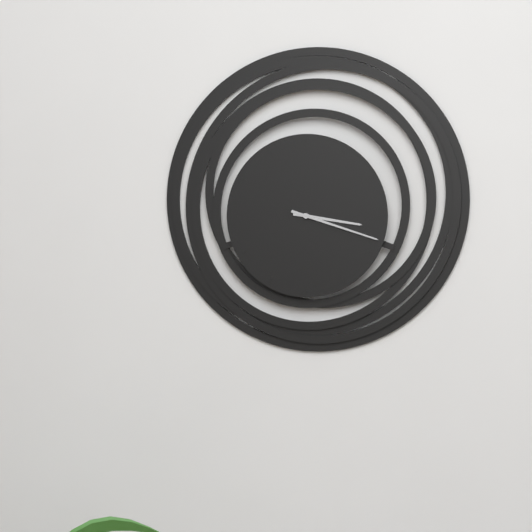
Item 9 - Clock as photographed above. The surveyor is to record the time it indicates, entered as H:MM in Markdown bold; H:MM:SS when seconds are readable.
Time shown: **3:18**
